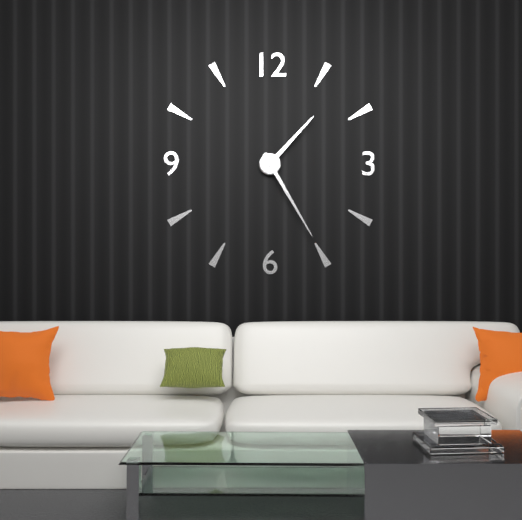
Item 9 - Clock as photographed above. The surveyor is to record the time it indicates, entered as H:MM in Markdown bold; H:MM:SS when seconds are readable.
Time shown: **1:25**
